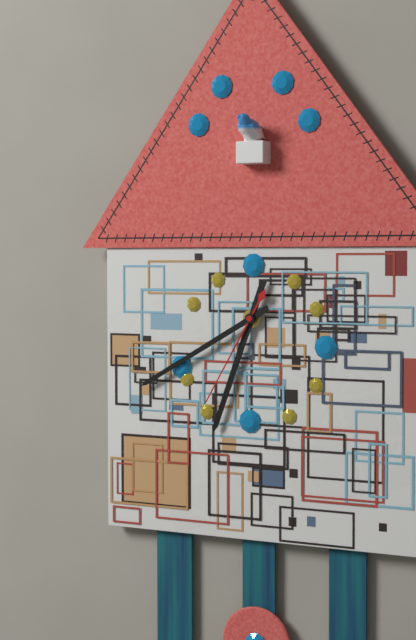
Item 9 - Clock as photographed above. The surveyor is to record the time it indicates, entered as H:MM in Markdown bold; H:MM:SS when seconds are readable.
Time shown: **6:40:35**
